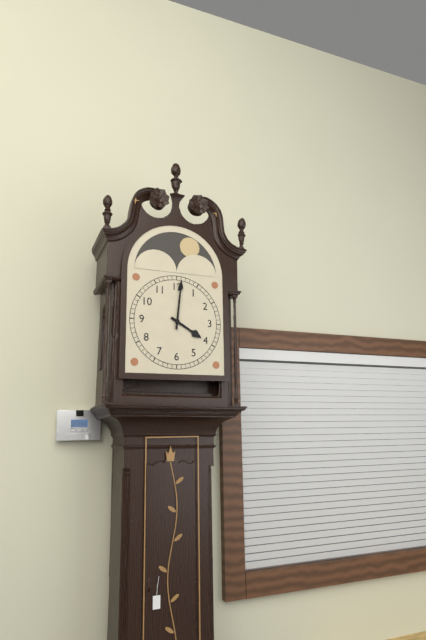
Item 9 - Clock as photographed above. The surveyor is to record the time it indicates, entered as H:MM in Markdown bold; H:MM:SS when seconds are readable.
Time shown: **4:01**
